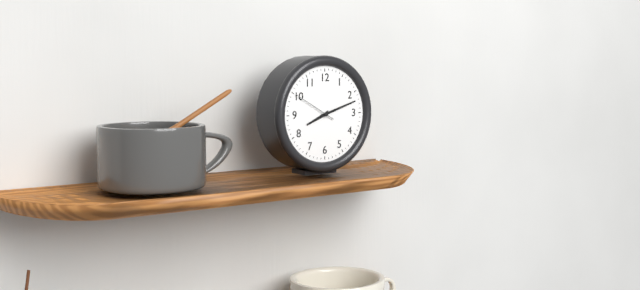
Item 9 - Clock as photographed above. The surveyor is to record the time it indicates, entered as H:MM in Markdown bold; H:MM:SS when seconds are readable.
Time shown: **8:12**
